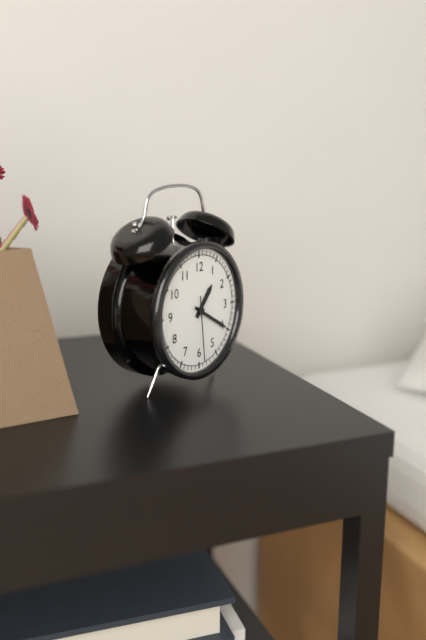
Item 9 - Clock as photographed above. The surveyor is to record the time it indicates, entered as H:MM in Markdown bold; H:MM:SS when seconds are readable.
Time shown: **1:20:29**
